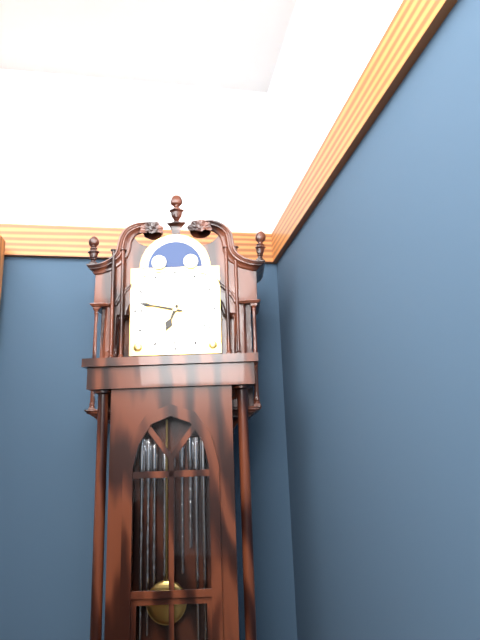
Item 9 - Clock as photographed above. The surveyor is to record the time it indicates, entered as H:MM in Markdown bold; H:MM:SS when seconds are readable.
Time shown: **6:47**
